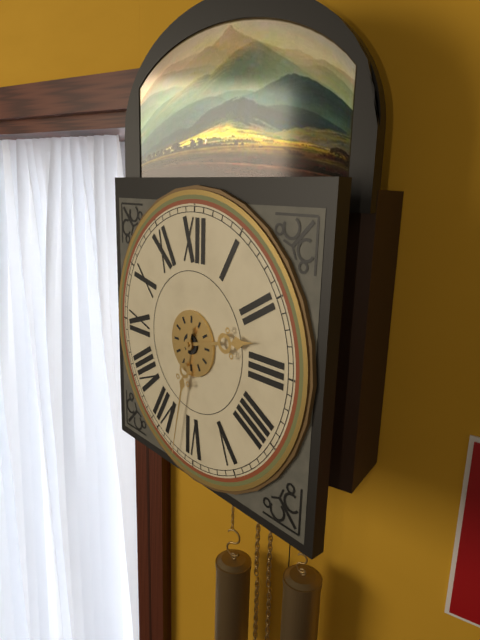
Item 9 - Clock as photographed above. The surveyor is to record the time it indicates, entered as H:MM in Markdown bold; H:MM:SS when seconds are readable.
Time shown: **2:32**
